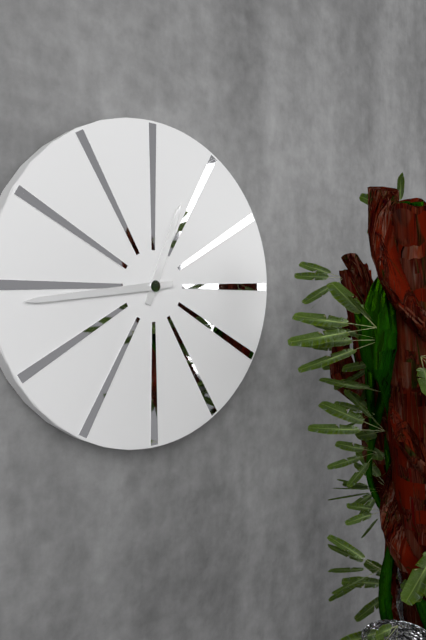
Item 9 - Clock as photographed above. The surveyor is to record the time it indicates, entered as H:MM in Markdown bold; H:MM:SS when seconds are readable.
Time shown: **12:44**
